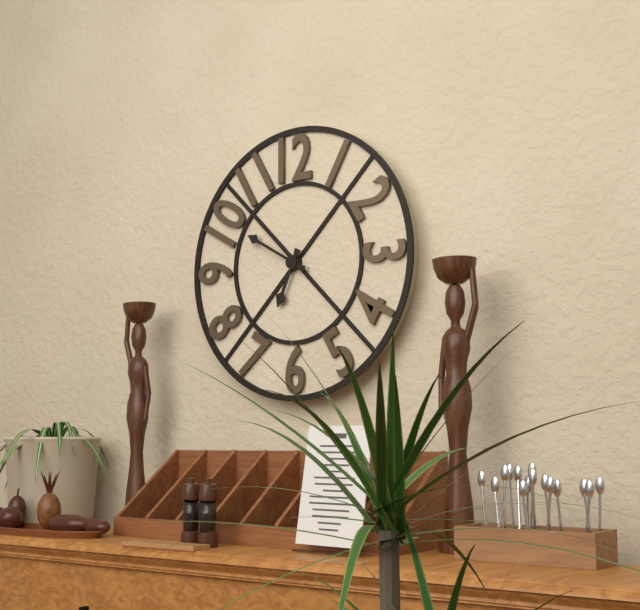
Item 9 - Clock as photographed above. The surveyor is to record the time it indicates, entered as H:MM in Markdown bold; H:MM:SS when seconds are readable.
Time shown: **6:50**
